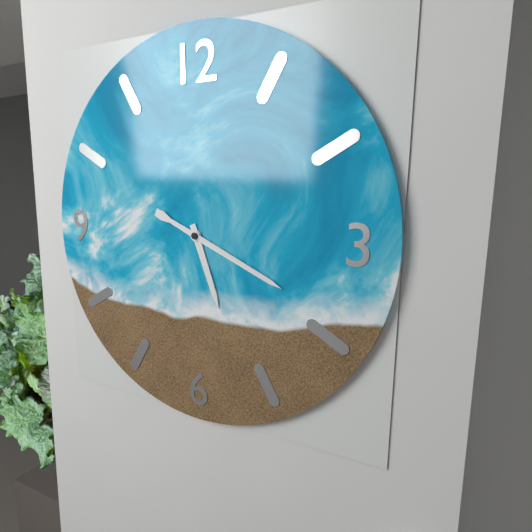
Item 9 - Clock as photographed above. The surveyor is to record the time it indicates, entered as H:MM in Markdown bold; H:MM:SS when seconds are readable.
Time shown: **5:19**
